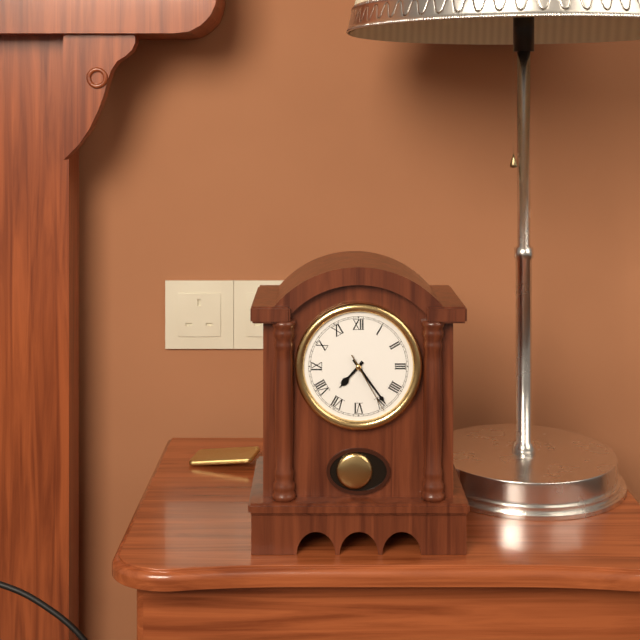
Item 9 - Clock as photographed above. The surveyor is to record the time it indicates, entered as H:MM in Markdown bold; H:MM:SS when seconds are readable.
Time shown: **7:24:25**
